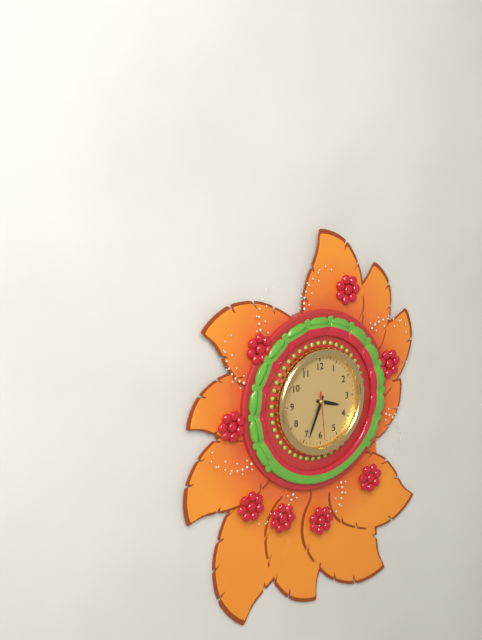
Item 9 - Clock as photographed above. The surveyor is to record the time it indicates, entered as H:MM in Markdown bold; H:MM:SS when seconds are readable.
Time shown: **3:34**
